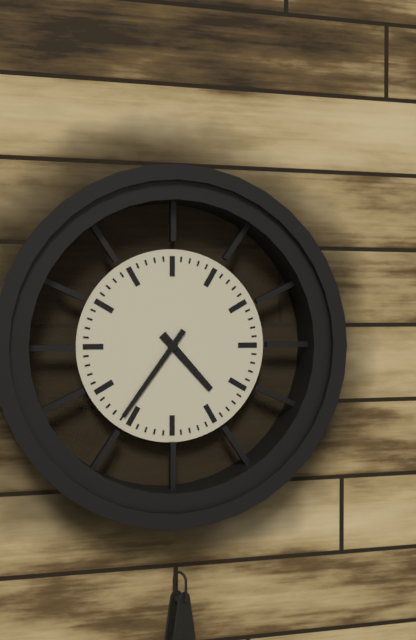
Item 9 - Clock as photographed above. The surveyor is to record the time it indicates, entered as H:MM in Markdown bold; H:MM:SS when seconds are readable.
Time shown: **4:36**
